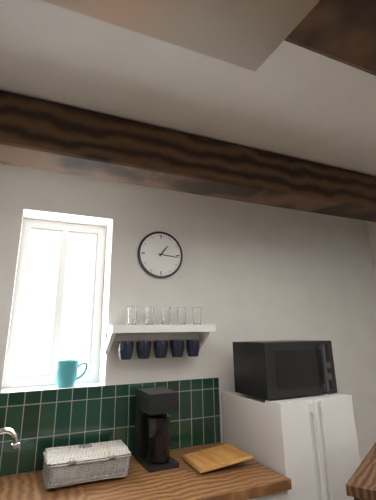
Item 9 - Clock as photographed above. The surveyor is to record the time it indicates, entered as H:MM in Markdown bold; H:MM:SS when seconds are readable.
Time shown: **1:16**
